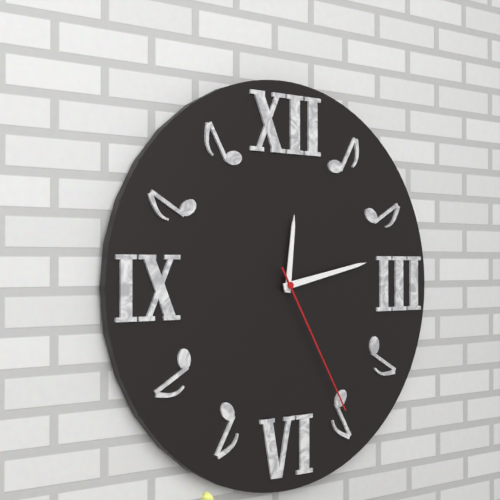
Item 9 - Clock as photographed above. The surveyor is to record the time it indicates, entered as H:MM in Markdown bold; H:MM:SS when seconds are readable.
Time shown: **12:13:25**
